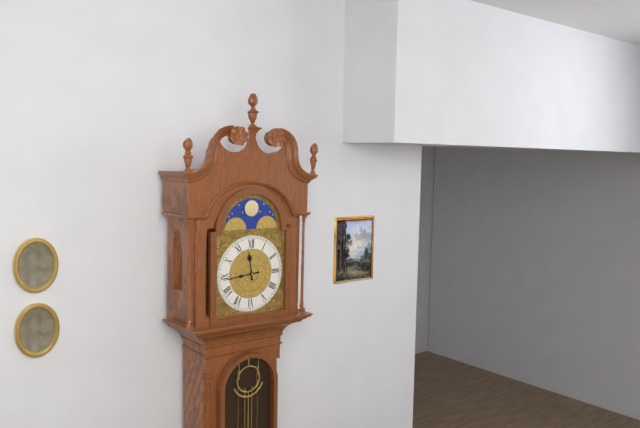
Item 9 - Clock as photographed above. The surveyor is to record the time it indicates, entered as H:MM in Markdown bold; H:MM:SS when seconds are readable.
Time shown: **11:44**
